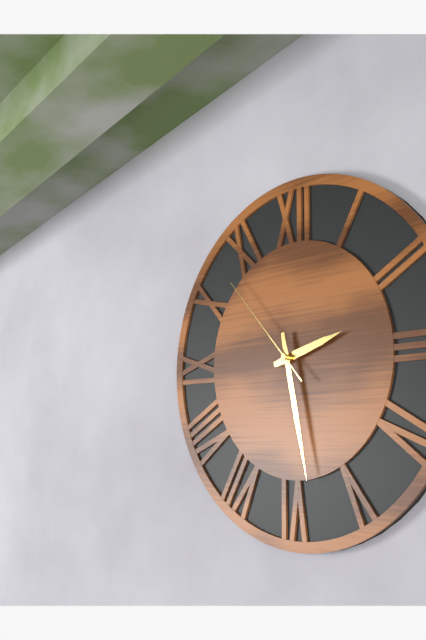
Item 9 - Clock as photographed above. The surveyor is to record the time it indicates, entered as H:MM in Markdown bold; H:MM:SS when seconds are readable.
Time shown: **2:28:53**
